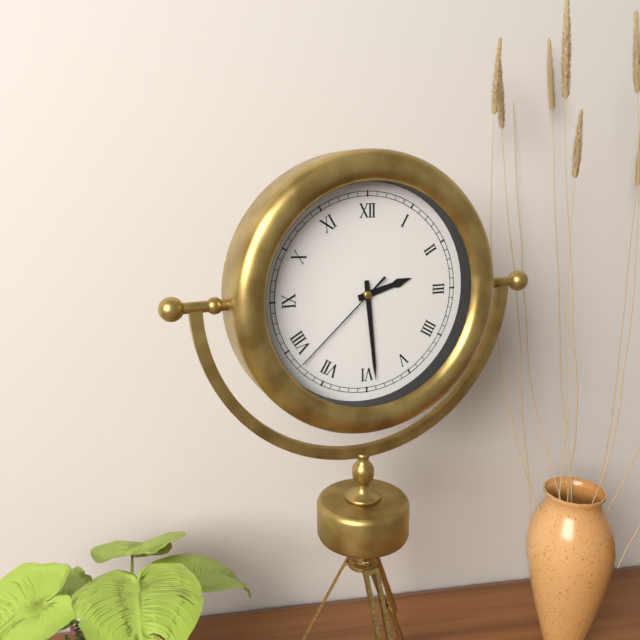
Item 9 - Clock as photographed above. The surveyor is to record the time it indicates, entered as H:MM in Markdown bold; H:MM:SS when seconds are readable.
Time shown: **2:29:38**
